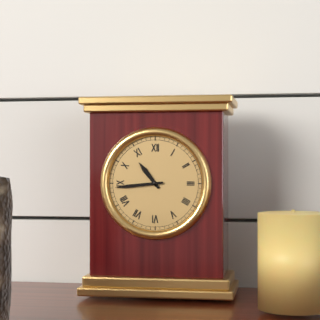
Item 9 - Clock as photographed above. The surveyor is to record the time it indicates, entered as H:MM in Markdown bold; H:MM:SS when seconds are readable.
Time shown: **10:44**
